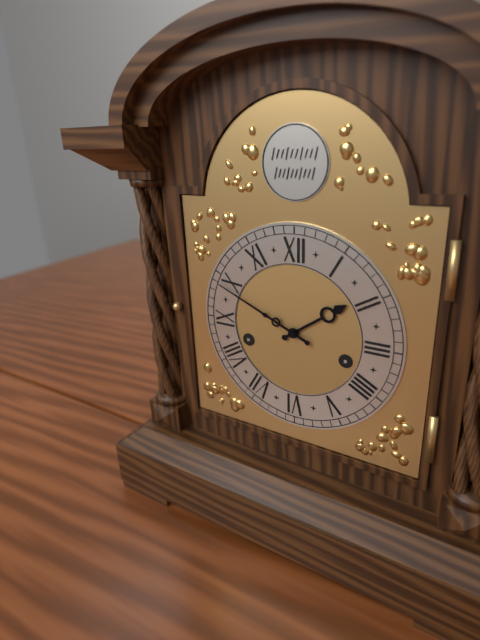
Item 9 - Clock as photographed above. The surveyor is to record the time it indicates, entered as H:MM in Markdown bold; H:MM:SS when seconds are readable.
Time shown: **1:49**
